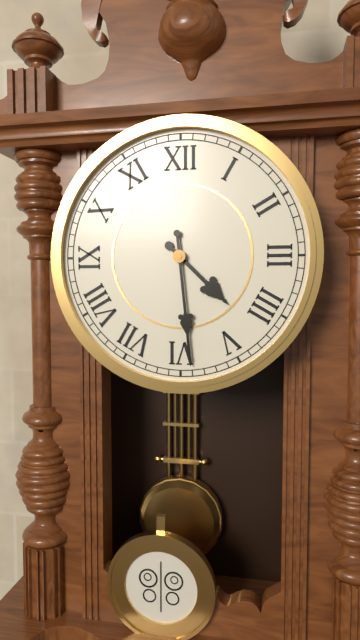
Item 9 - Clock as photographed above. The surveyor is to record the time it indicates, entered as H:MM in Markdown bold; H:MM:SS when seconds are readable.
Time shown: **4:29**
